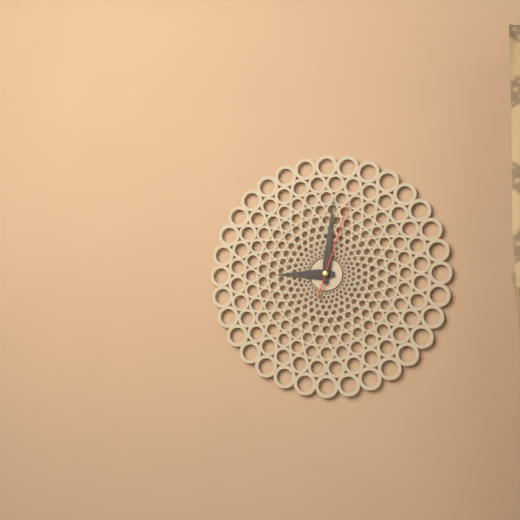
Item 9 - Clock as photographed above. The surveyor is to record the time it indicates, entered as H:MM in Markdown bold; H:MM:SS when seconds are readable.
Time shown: **9:01:03**
